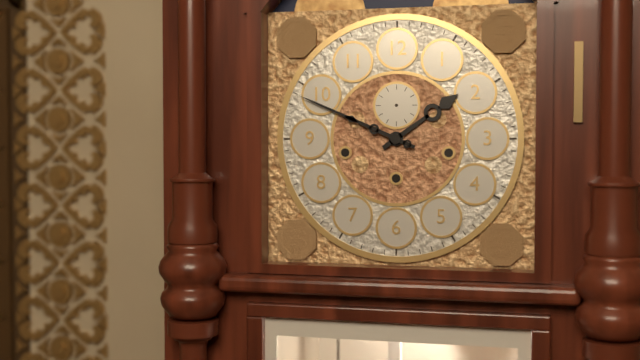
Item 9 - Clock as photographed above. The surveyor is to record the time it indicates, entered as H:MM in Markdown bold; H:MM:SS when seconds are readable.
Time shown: **1:49**
